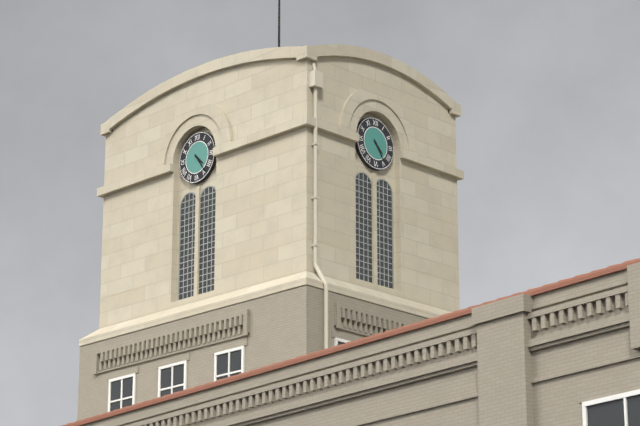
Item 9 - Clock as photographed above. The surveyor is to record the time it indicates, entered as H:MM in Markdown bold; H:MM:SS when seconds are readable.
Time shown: **4:24**
